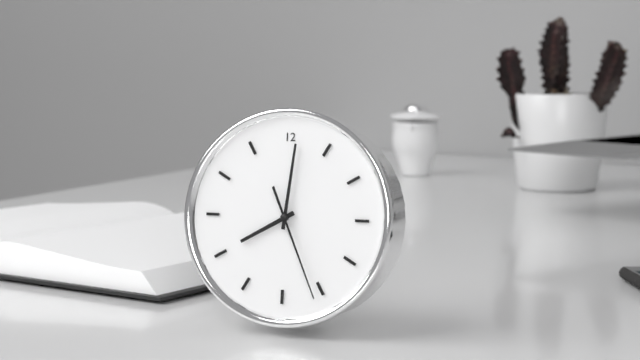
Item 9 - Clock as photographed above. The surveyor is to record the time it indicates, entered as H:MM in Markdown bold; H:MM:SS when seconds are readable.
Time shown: **8:01:26**
